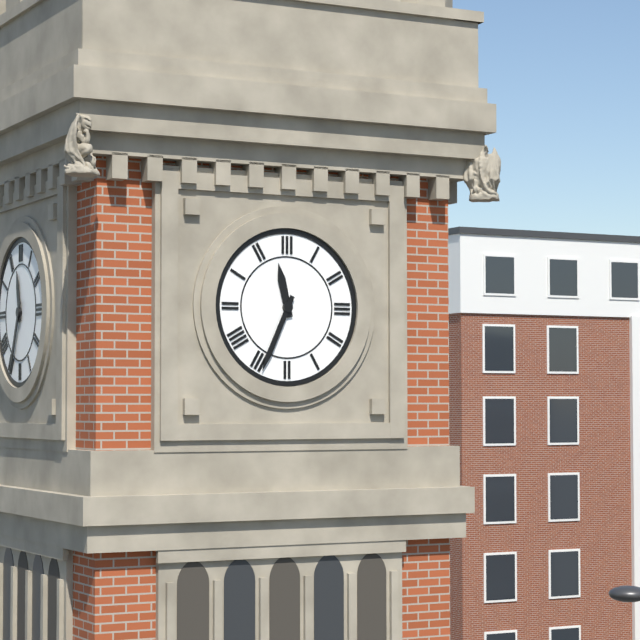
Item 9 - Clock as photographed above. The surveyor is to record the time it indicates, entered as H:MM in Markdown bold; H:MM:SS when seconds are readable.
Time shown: **11:34**
